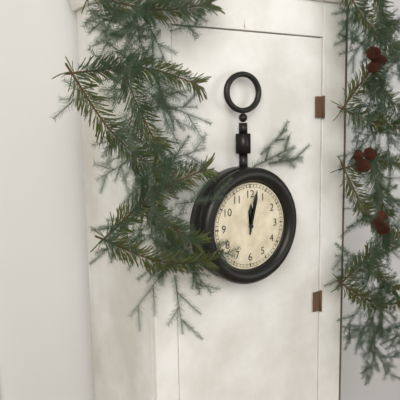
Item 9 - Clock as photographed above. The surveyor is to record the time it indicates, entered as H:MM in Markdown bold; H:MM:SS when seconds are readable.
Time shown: **12:02**
